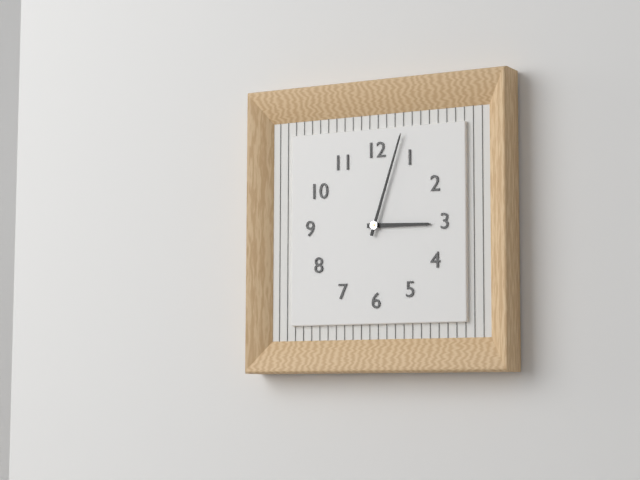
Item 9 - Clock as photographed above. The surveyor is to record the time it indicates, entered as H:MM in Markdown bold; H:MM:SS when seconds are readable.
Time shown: **3:03**
